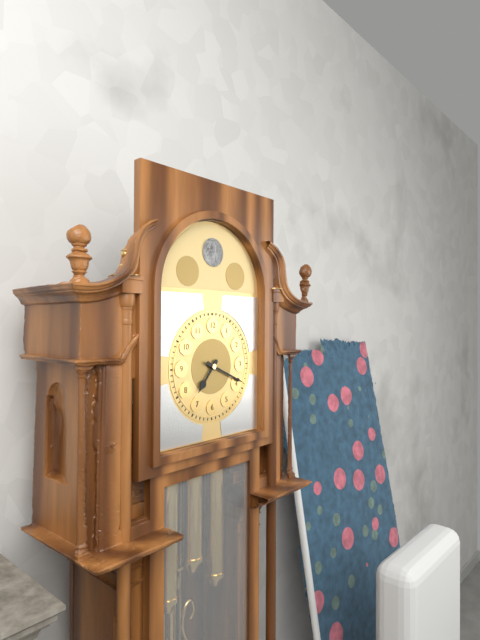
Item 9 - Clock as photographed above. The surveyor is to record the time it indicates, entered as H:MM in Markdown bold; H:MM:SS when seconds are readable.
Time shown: **7:19**
